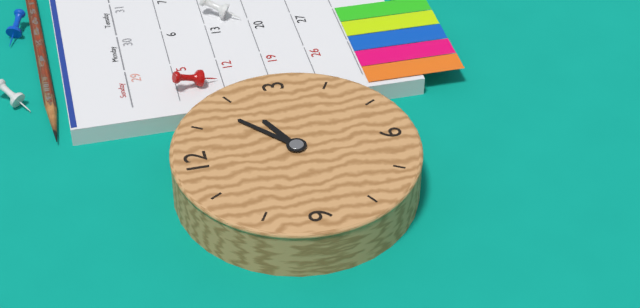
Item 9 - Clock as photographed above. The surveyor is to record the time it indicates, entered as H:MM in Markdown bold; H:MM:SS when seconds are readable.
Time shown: **2:08**
